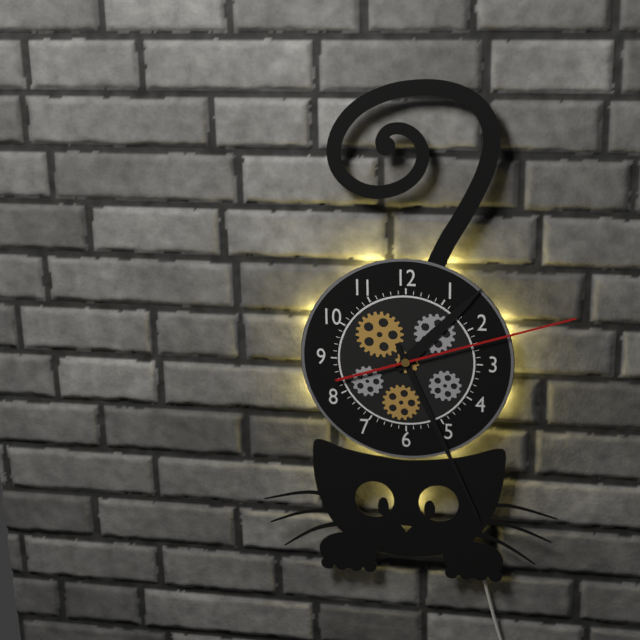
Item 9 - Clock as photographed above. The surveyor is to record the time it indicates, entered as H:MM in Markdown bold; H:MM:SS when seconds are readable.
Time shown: **1:26:12**
